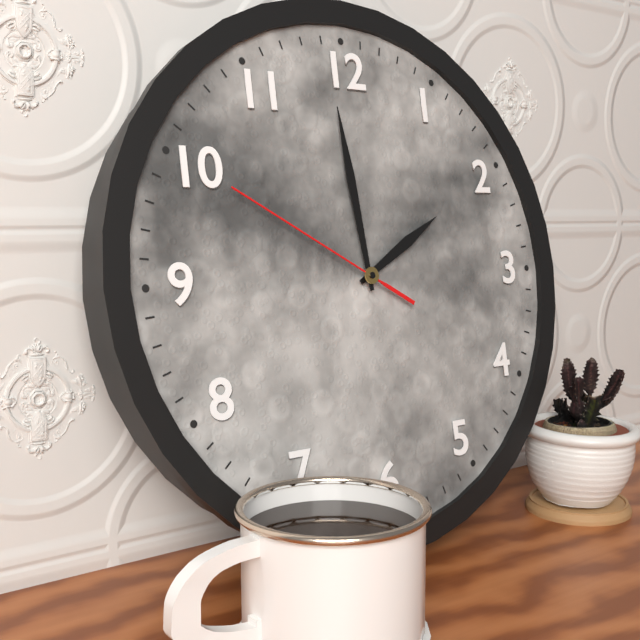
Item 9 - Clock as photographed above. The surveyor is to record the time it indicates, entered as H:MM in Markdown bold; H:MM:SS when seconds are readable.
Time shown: **1:59:50**
